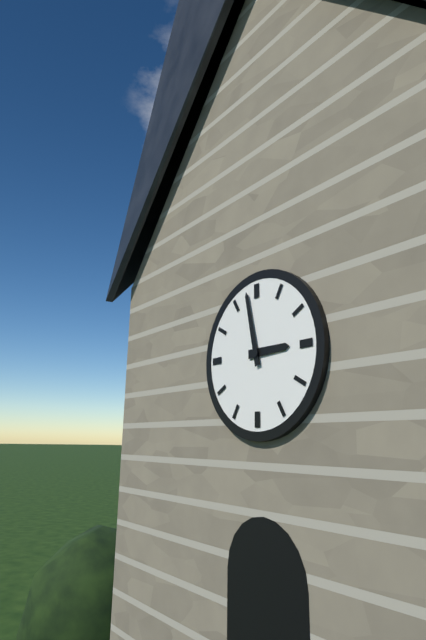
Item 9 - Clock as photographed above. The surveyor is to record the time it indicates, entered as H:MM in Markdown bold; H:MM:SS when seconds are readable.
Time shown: **2:58**
